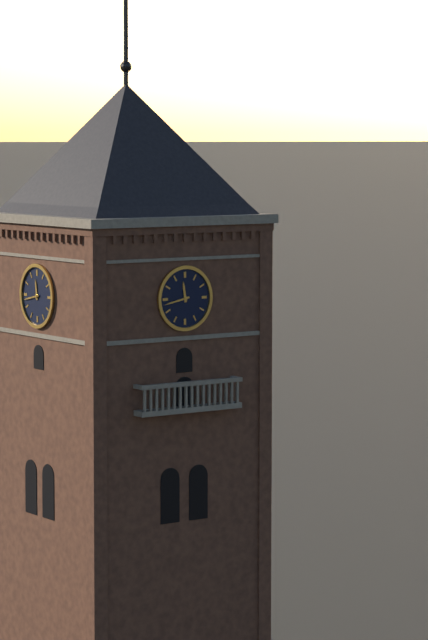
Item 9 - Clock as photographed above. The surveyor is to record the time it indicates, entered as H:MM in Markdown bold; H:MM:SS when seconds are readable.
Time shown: **11:43**
